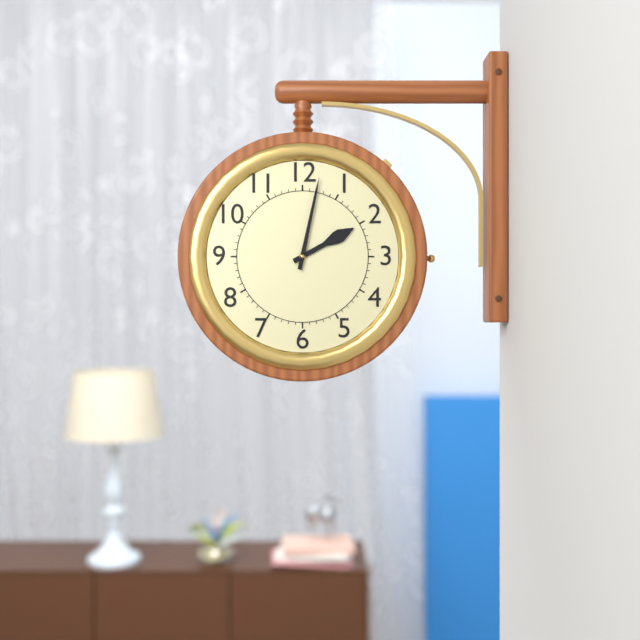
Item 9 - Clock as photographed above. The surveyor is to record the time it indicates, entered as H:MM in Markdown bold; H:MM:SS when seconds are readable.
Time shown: **2:02**
